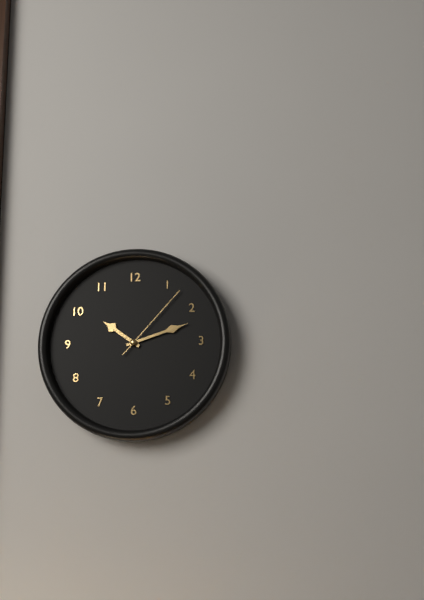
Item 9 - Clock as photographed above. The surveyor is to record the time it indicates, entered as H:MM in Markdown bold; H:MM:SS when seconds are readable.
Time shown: **10:12:07**
